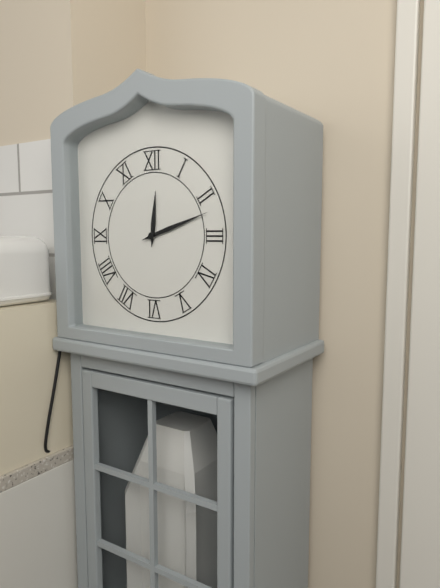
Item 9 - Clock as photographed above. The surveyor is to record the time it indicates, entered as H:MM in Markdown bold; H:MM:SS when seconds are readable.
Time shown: **12:12**
